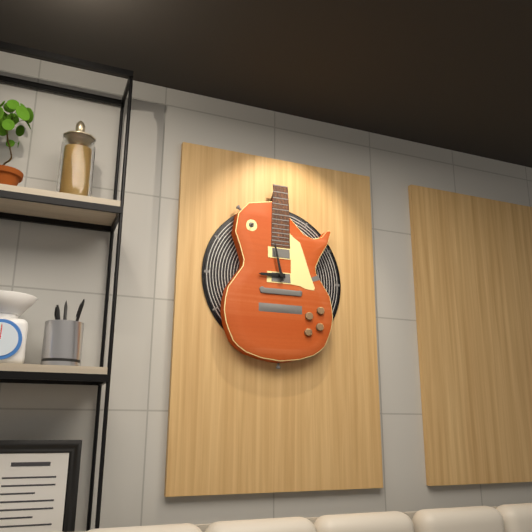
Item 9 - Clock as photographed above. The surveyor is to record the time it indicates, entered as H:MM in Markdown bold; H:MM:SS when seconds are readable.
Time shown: **8:58**
